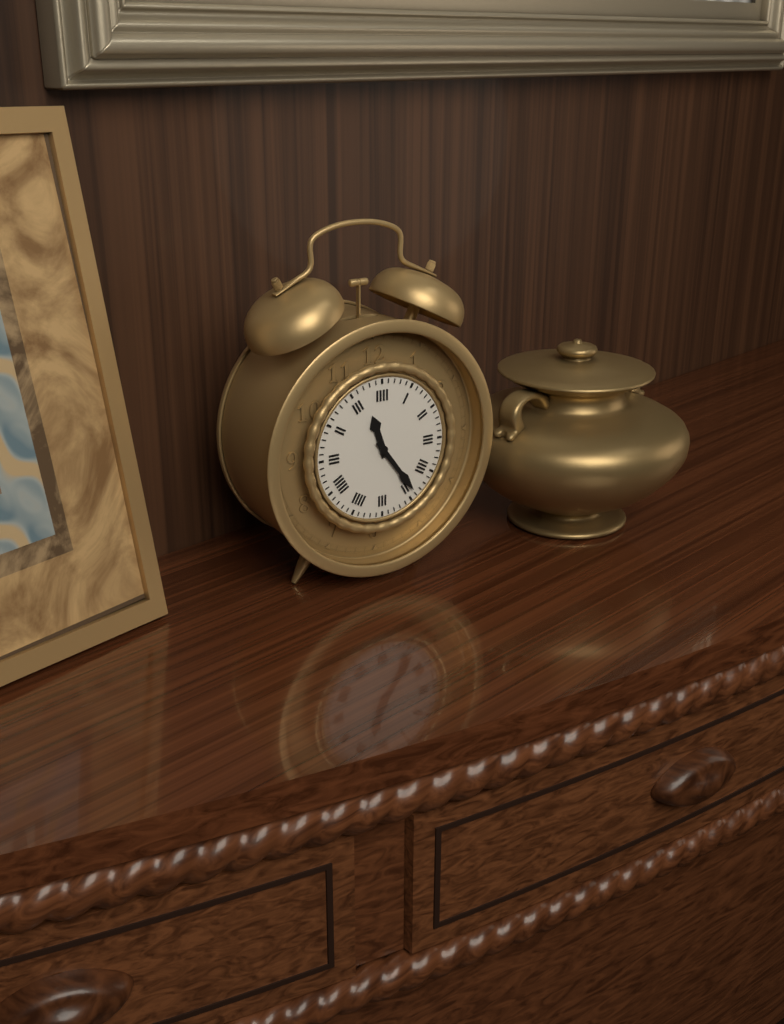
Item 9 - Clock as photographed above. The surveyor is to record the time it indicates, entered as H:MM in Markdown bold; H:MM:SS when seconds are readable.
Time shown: **11:24**
